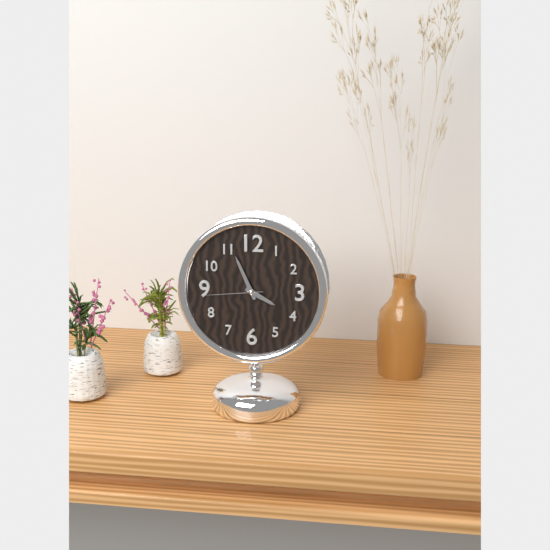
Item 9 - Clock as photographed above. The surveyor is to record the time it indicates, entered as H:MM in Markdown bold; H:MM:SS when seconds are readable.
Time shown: **3:56:44**
